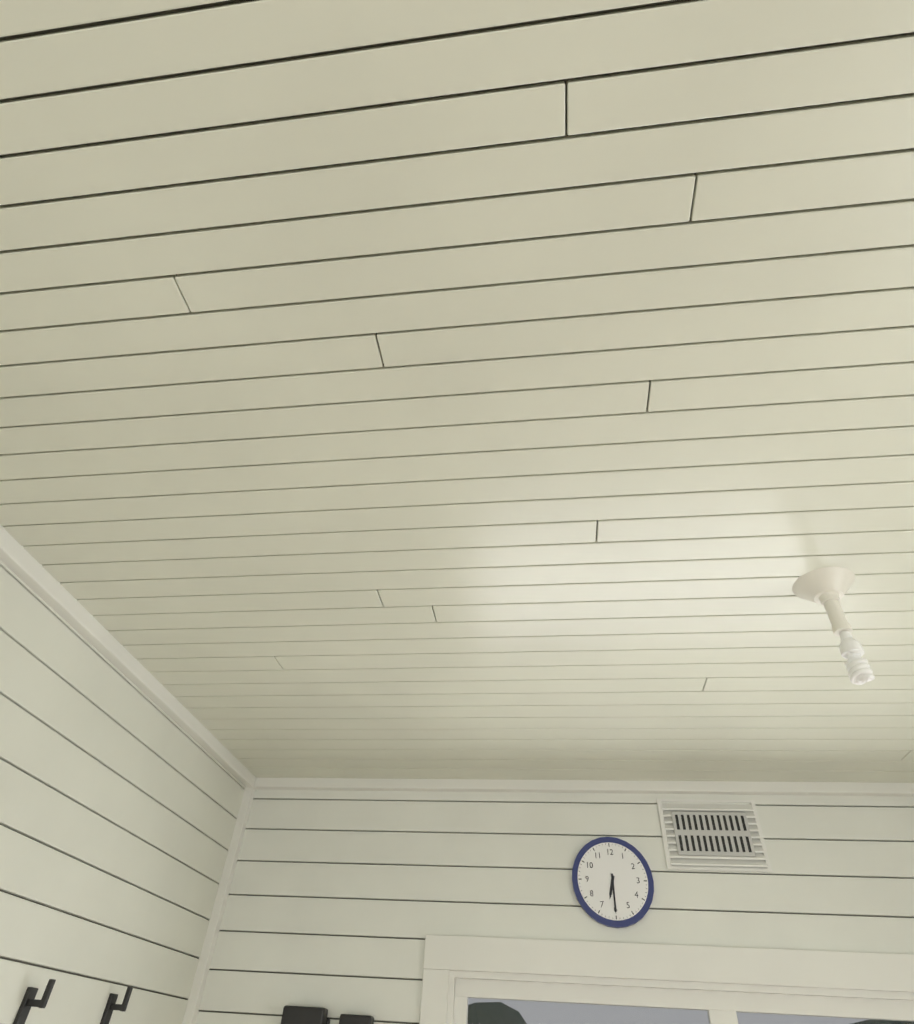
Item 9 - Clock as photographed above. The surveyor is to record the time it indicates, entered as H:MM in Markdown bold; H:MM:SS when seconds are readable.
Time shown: **6:30**
